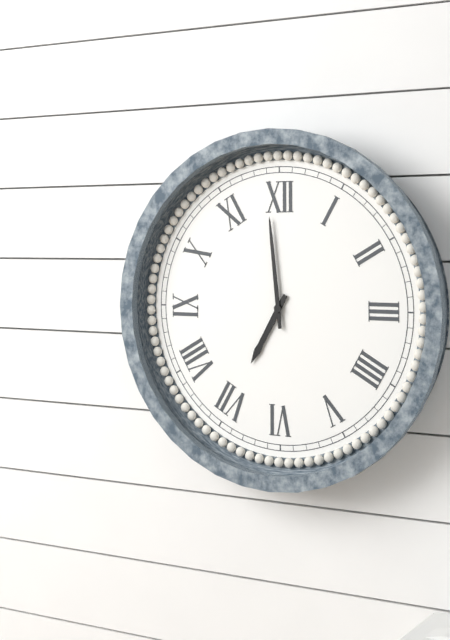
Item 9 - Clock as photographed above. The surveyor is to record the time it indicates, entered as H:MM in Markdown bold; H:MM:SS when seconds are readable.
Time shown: **6:59**
